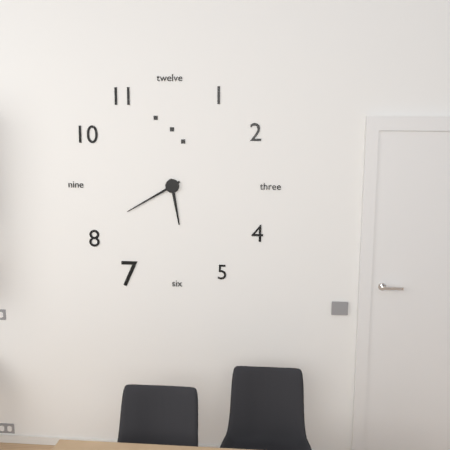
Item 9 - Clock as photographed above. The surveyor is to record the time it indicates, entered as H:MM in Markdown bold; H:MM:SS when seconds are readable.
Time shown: **5:40**
